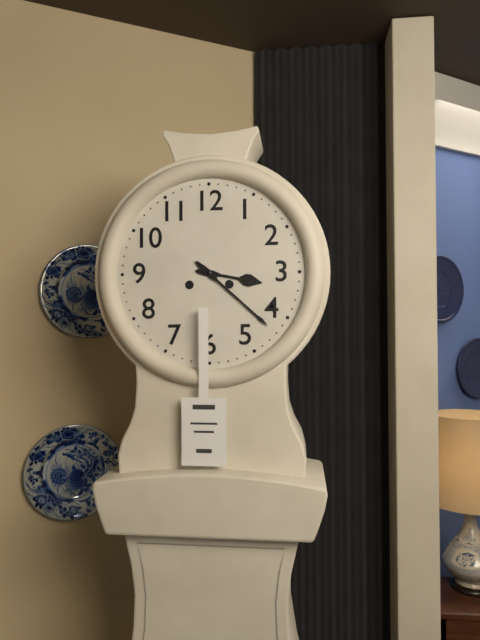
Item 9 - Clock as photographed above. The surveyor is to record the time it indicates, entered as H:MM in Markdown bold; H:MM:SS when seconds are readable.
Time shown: **3:22**
